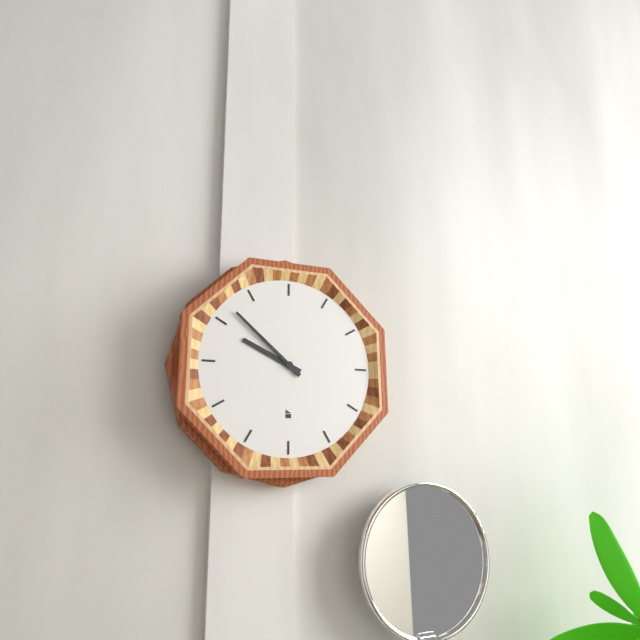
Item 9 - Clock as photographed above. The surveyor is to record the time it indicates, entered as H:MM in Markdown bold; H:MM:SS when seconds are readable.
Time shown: **9:52**
